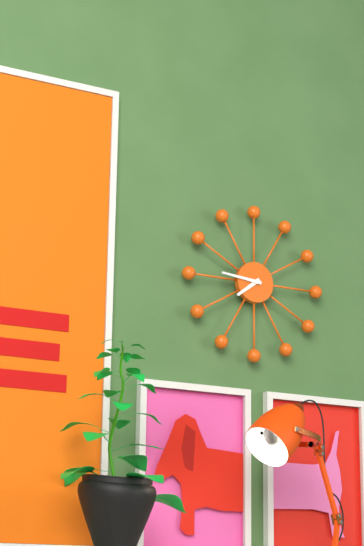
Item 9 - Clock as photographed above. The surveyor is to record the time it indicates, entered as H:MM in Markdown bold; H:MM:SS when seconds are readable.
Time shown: **7:46**
